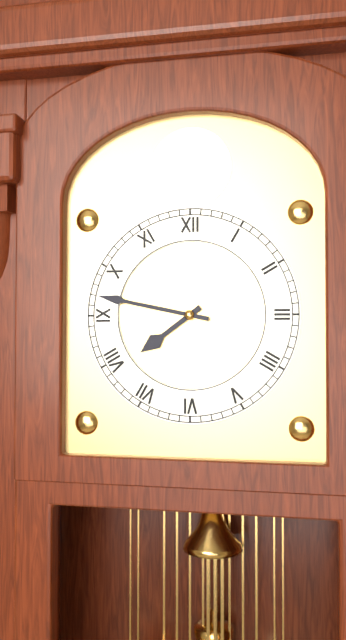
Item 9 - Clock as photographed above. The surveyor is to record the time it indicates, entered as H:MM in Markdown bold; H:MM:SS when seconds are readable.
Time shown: **7:47**
